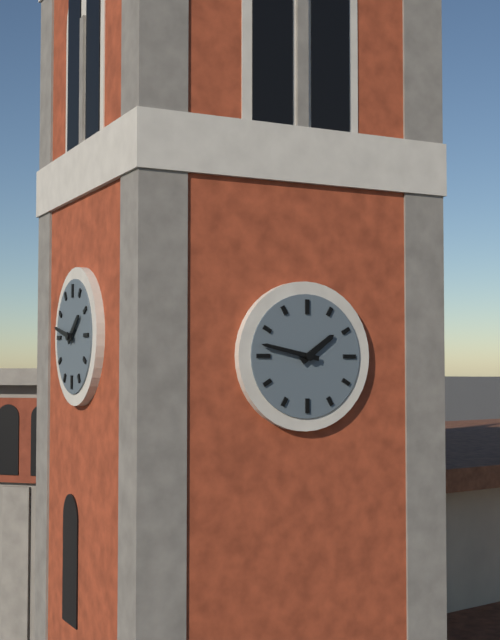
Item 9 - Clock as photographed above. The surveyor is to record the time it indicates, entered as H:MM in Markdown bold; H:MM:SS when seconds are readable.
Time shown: **1:47**
